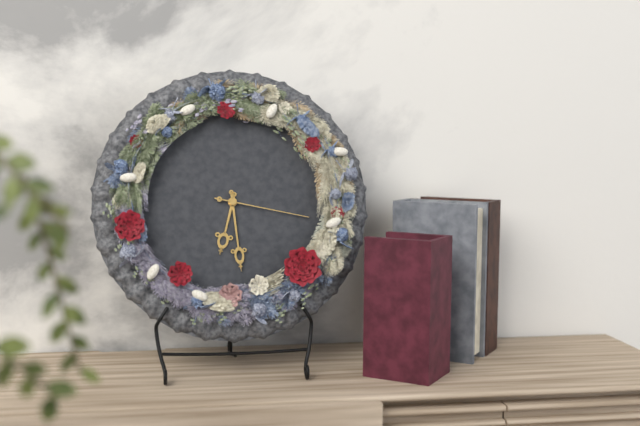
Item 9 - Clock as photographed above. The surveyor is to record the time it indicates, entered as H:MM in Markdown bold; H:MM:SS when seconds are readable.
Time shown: **6:29:17**
